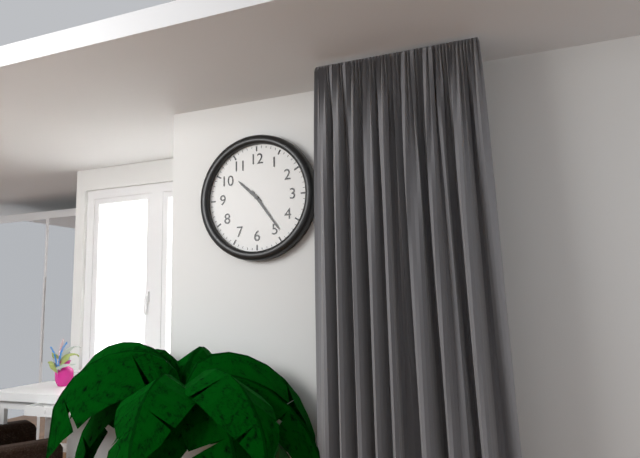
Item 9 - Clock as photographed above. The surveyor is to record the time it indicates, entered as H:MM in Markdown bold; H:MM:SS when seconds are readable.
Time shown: **10:24**
